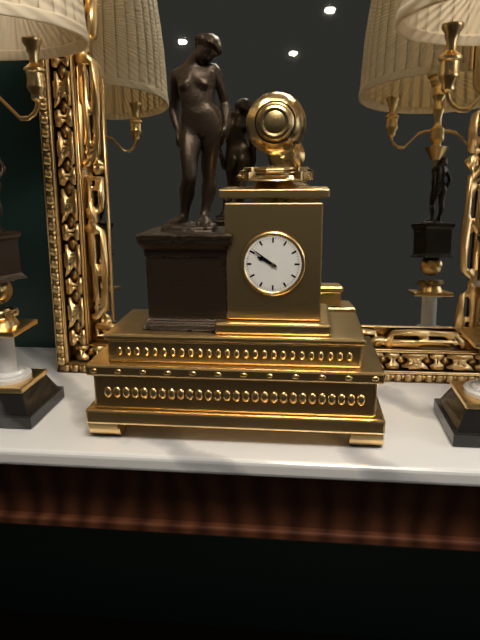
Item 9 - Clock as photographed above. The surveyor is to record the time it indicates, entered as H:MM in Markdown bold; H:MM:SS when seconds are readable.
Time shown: **9:51**
